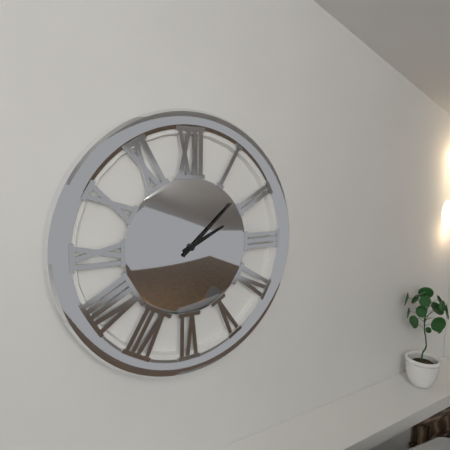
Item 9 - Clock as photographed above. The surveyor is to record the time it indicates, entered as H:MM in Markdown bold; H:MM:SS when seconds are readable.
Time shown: **2:08**
